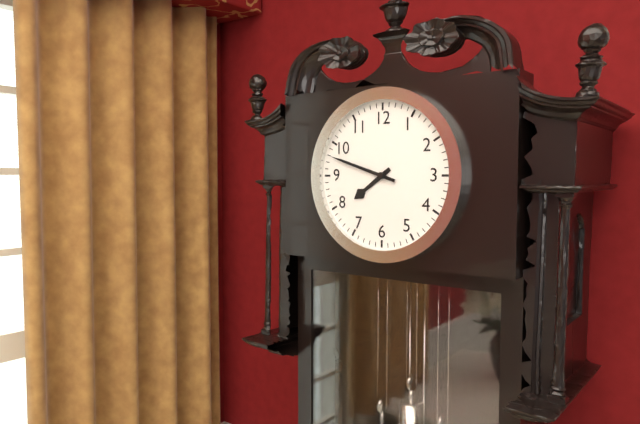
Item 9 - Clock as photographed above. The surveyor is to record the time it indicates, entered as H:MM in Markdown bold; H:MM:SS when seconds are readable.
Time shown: **7:48**
